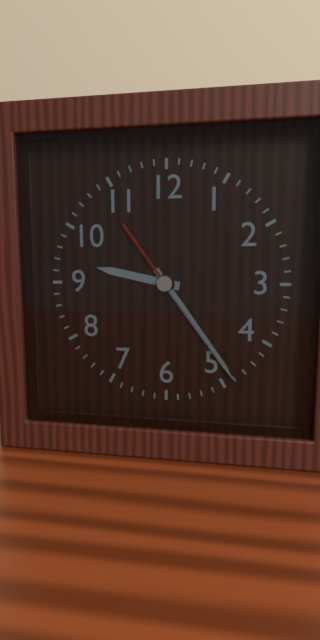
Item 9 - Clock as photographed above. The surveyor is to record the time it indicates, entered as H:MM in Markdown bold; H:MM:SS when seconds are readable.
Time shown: **9:24:24**
